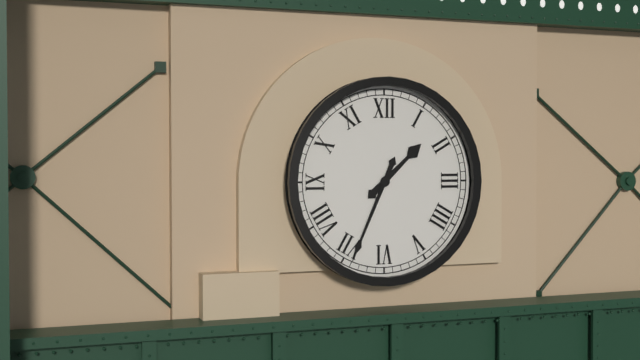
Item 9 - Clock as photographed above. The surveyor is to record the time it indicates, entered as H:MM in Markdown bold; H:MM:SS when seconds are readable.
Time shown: **1:34**
